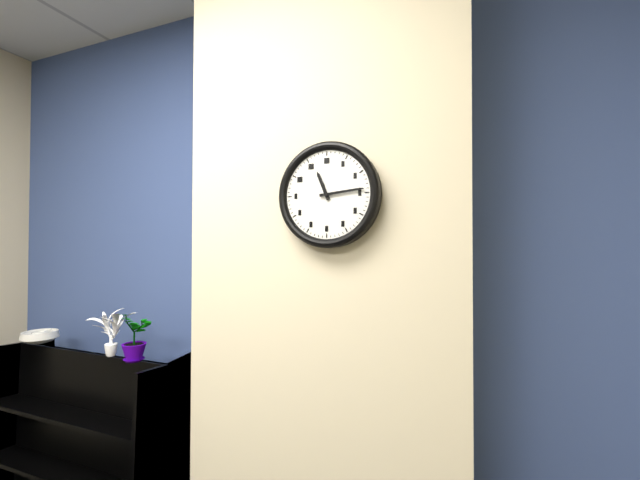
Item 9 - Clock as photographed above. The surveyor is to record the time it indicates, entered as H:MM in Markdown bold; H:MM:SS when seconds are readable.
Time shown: **11:14**
